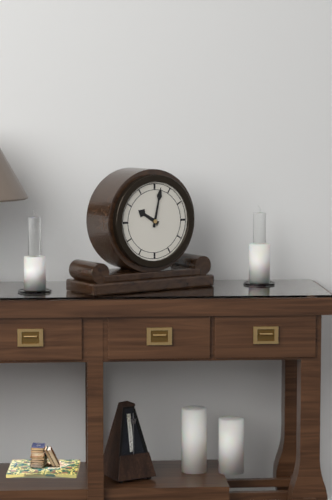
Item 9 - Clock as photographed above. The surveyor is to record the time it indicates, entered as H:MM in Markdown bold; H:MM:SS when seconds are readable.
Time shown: **10:02**
